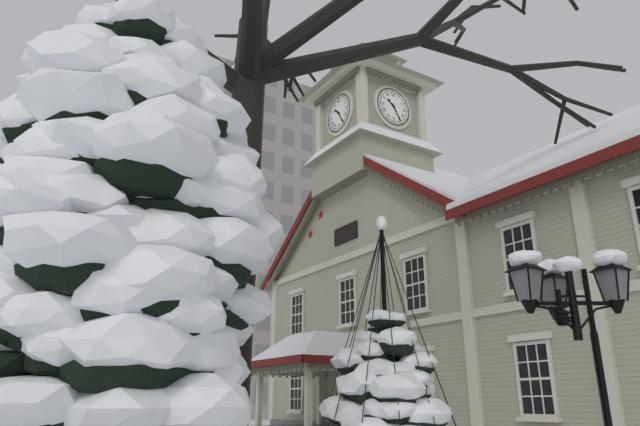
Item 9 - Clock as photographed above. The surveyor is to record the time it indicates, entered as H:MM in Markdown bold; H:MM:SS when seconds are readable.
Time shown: **10:25**
